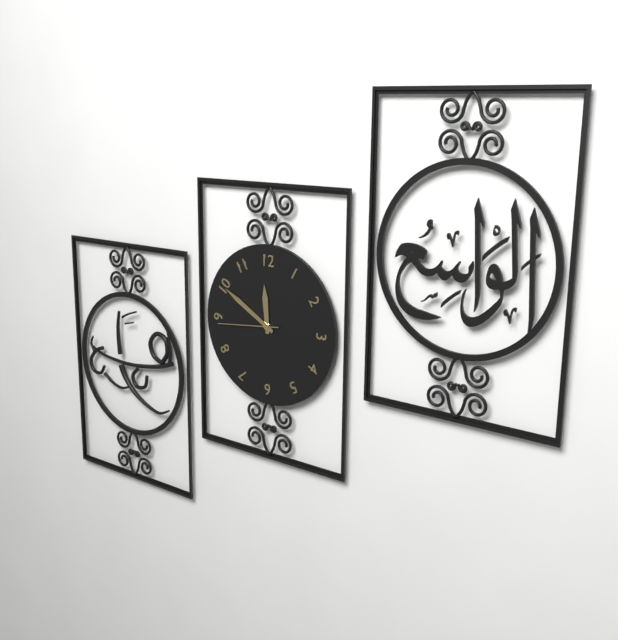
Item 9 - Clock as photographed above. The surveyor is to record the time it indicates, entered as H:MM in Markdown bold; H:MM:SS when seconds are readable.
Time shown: **11:50:44**
